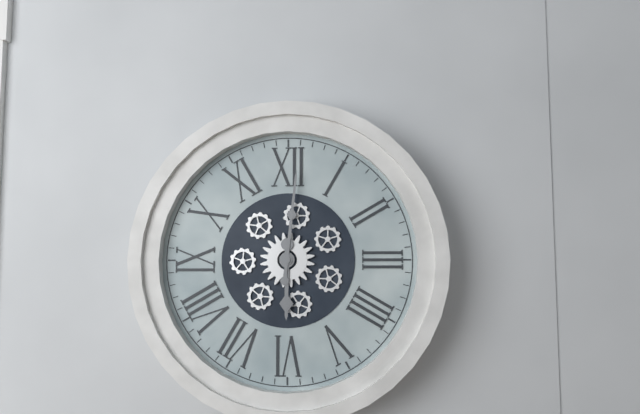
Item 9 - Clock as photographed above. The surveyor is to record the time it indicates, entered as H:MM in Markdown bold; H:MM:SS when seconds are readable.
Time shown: **6:01**
